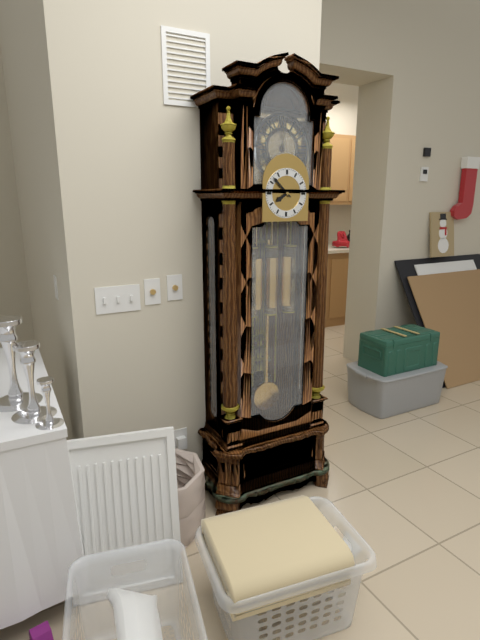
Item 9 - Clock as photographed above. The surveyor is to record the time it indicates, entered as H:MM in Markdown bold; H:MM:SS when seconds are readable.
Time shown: **7:52**
